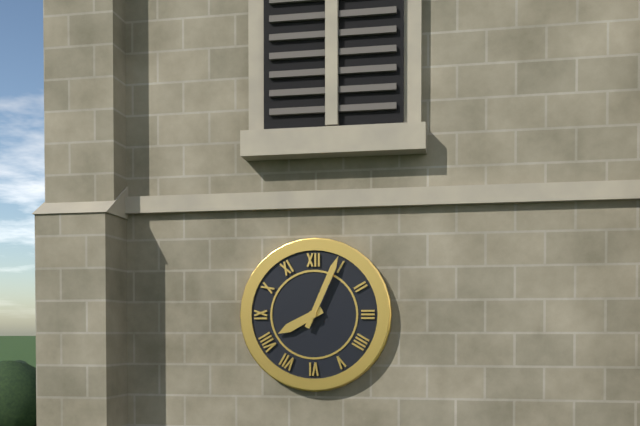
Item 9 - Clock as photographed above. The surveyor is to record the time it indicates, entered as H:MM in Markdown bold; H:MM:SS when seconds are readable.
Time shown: **8:04**
